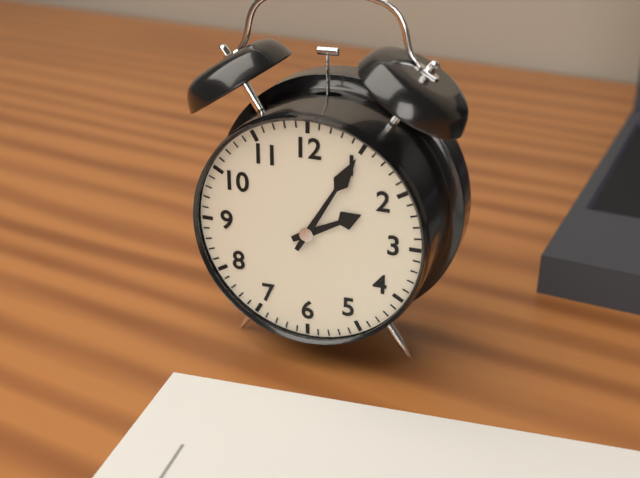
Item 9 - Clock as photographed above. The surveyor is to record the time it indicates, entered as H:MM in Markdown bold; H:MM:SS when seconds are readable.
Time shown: **2:05**
